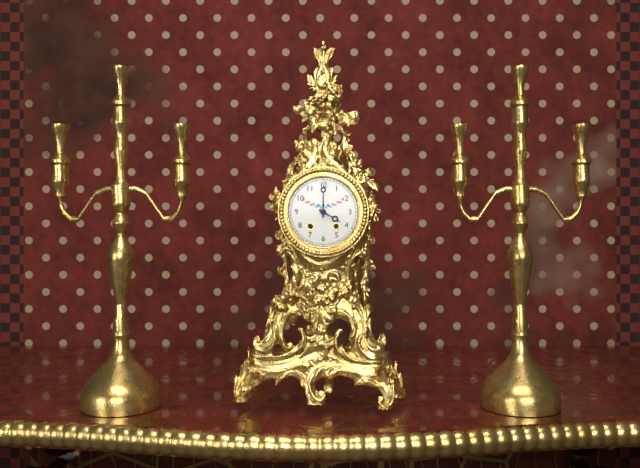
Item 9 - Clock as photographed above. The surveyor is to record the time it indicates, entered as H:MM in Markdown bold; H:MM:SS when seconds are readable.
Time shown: **4:00**
